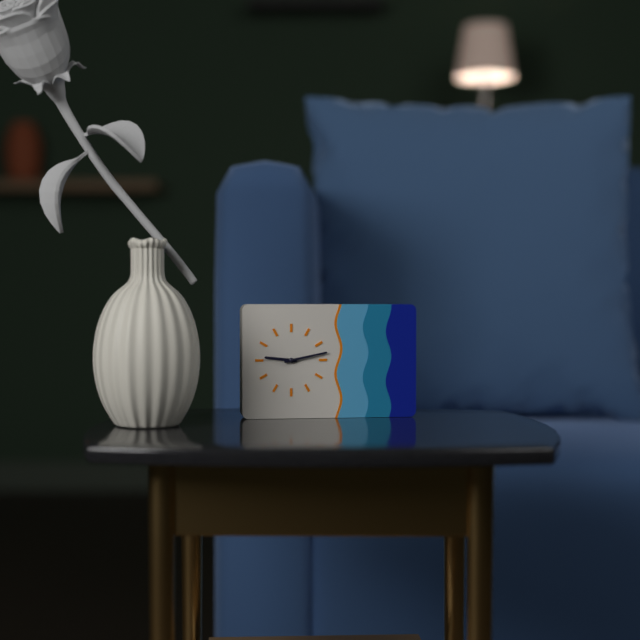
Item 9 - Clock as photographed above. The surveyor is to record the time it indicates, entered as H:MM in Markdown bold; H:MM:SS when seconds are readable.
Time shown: **9:13**
